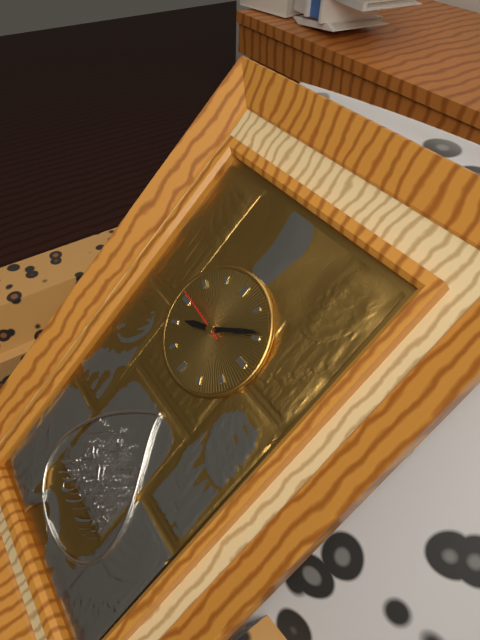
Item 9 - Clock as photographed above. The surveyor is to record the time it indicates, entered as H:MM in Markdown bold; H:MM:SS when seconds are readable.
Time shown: **8:09:46**
